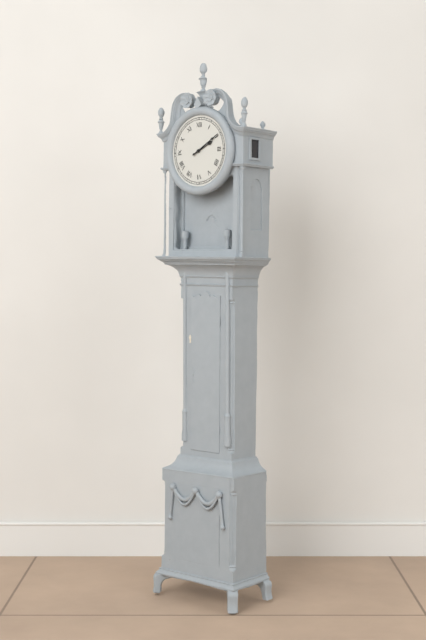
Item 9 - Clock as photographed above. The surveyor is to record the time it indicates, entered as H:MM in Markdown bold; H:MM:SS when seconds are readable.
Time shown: **2:10**
